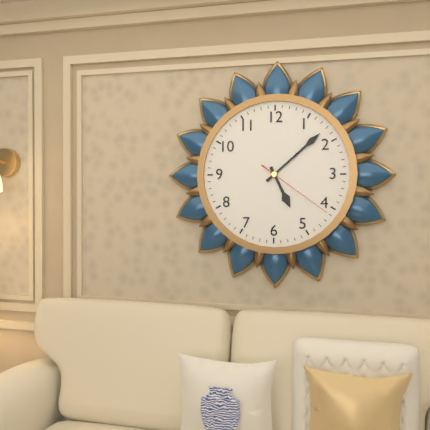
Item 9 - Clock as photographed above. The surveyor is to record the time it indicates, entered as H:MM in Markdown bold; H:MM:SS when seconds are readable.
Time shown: **5:08:21**
